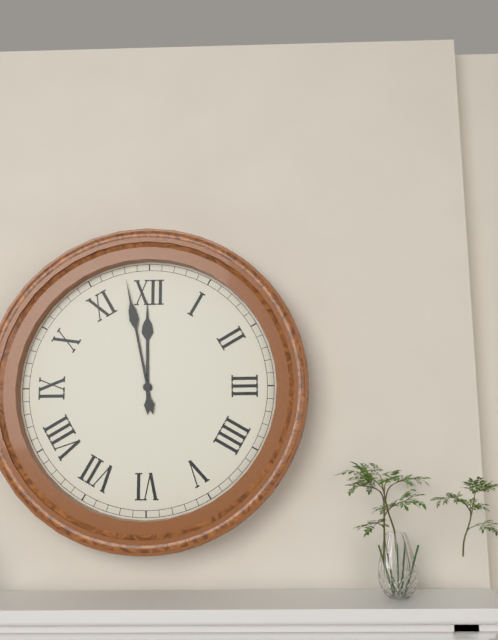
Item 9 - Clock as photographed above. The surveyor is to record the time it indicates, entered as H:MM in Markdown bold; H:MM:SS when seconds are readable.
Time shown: **11:58**
